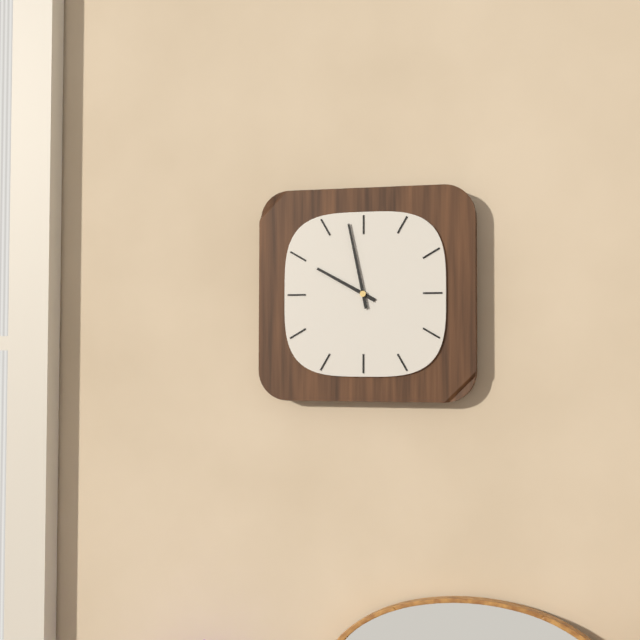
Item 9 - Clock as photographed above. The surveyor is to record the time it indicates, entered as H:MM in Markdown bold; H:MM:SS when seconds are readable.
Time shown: **9:58**
